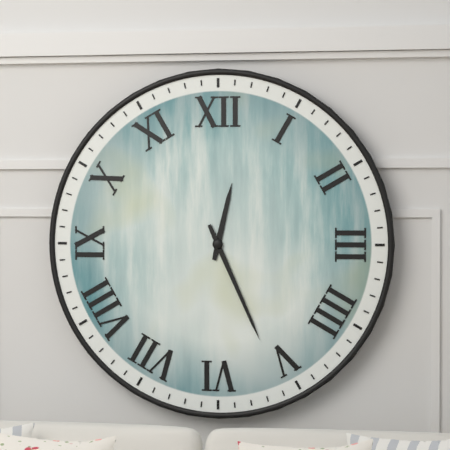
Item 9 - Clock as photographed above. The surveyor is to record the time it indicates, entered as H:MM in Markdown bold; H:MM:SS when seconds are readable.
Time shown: **12:26**
